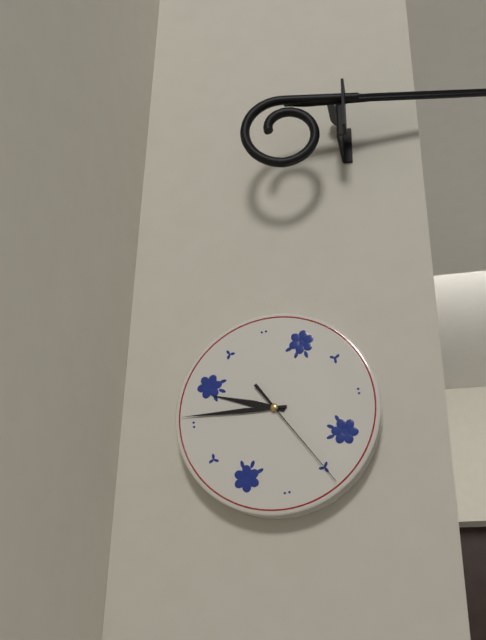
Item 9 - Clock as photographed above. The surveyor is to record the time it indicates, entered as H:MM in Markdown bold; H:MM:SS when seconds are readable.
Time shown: **9:46:25**
